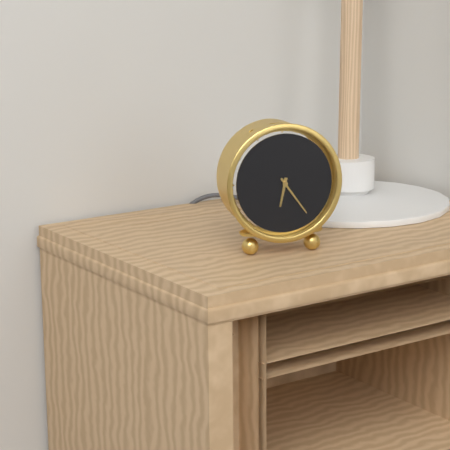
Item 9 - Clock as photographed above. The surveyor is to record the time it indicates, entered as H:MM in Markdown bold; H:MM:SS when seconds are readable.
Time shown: **6:24**
